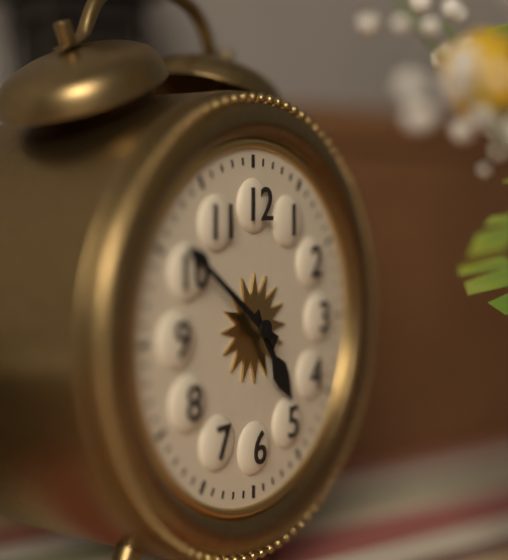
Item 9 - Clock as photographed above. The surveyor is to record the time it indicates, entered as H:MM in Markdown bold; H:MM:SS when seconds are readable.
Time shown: **4:51**
